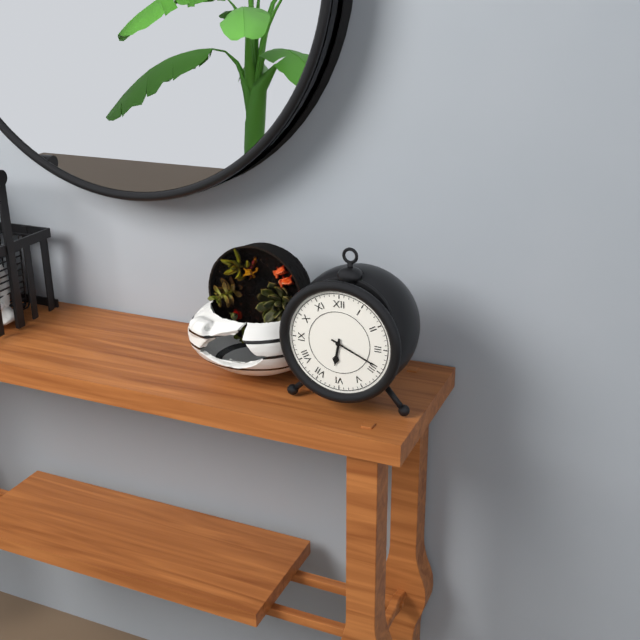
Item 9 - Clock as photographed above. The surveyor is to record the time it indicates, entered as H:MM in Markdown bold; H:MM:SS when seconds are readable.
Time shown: **6:19**
